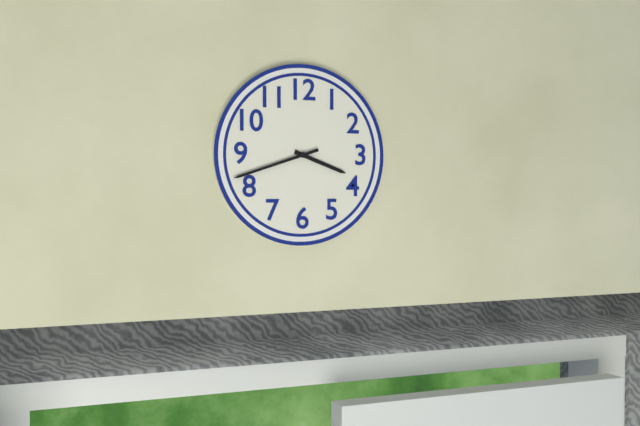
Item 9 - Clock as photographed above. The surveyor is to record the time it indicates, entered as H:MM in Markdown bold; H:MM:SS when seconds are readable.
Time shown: **3:42**
